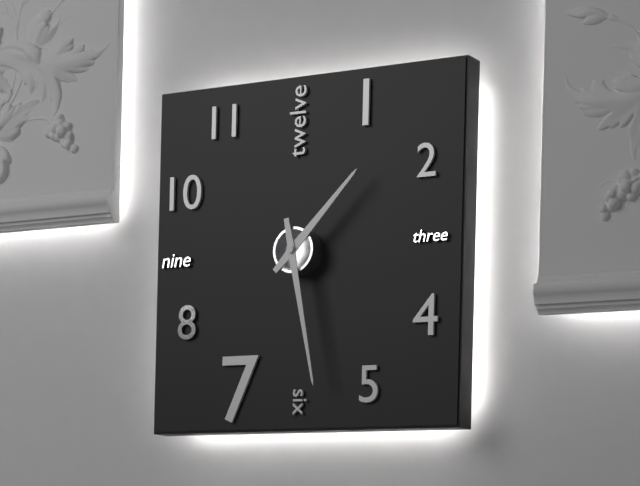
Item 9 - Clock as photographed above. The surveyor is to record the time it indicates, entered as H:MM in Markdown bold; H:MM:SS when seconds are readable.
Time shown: **1:28**
